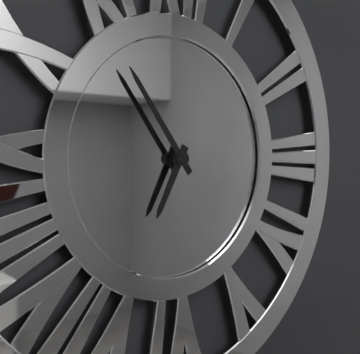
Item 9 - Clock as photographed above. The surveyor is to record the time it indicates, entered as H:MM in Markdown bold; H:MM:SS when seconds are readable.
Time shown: **6:54**
